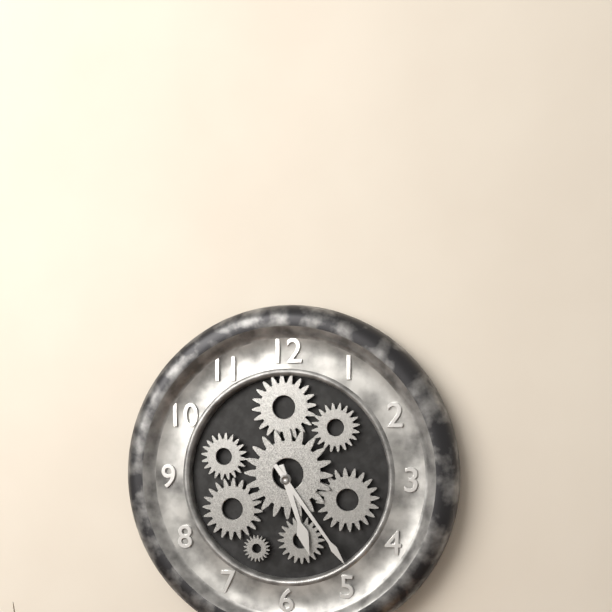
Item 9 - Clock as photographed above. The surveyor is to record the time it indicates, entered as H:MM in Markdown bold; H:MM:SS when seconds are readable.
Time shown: **5:24**
